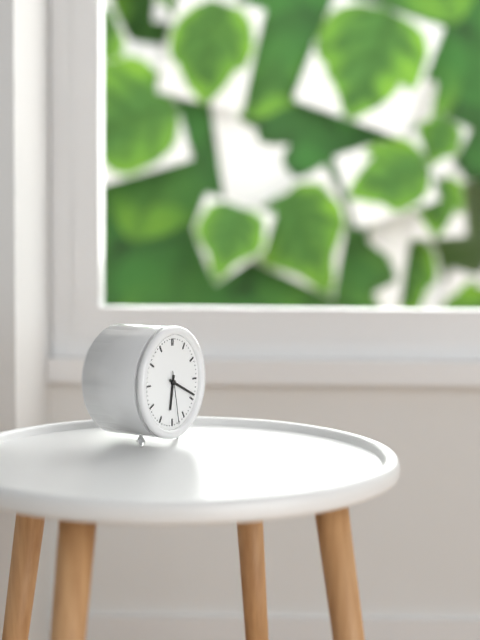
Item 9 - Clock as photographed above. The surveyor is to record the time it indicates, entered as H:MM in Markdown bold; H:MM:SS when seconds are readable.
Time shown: **6:19:28**
